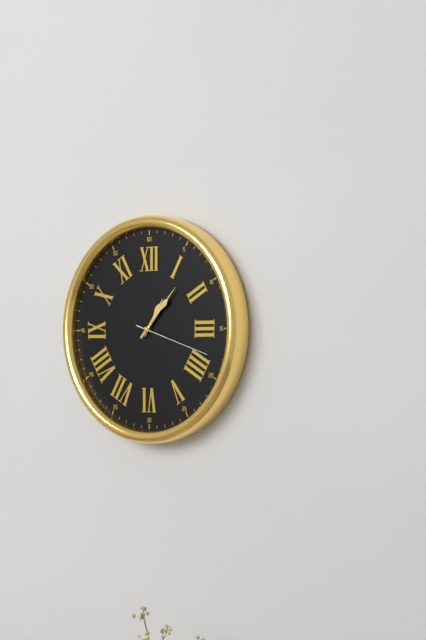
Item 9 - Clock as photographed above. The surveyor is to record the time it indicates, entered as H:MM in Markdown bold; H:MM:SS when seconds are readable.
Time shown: **1:07:18**
